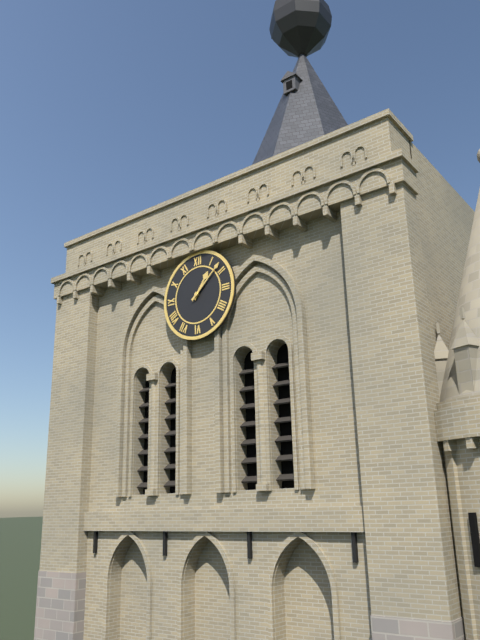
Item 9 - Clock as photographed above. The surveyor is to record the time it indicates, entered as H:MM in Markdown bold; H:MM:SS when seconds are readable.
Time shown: **1:08**
